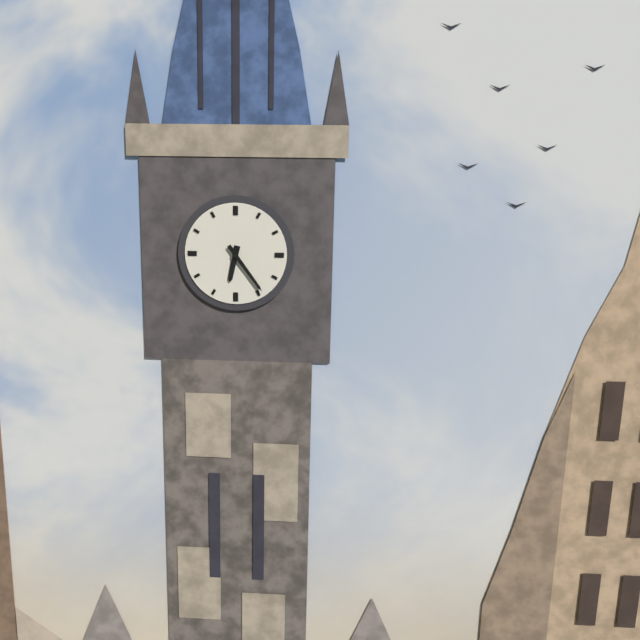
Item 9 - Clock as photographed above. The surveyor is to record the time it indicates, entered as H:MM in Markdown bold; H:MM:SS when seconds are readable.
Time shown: **6:24**
